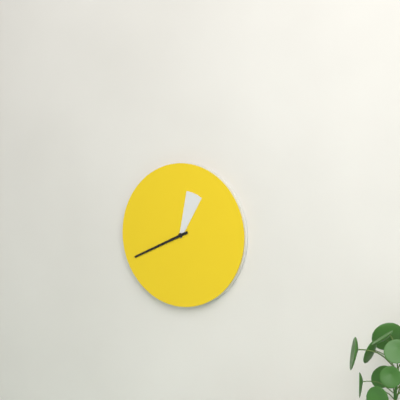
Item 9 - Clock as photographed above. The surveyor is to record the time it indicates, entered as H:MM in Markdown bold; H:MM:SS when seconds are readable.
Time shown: **12:41**
